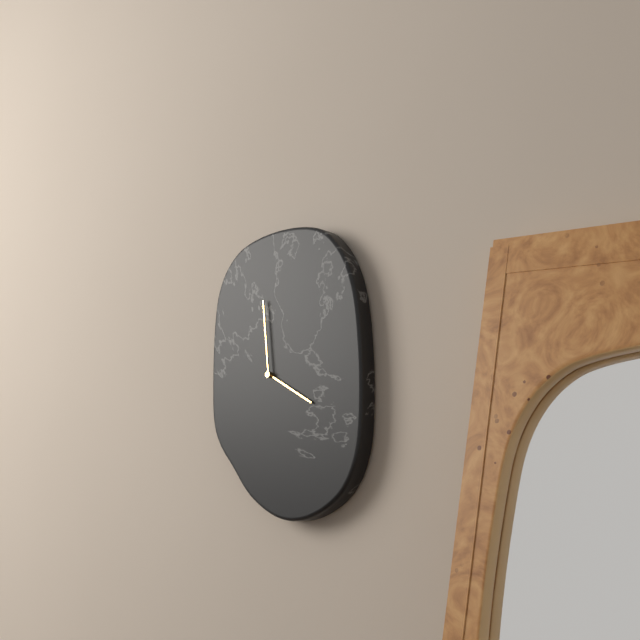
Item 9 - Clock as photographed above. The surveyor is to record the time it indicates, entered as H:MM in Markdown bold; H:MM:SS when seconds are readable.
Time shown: **3:59**
